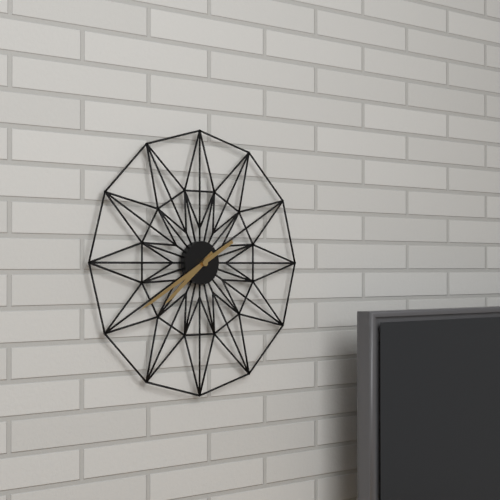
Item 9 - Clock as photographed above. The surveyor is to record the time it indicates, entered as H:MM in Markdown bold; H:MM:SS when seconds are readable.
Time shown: **7:40**
